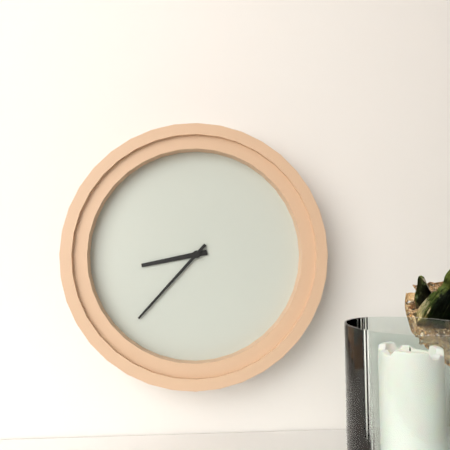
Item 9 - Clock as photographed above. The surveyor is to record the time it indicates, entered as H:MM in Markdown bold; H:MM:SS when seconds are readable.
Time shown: **8:37**
